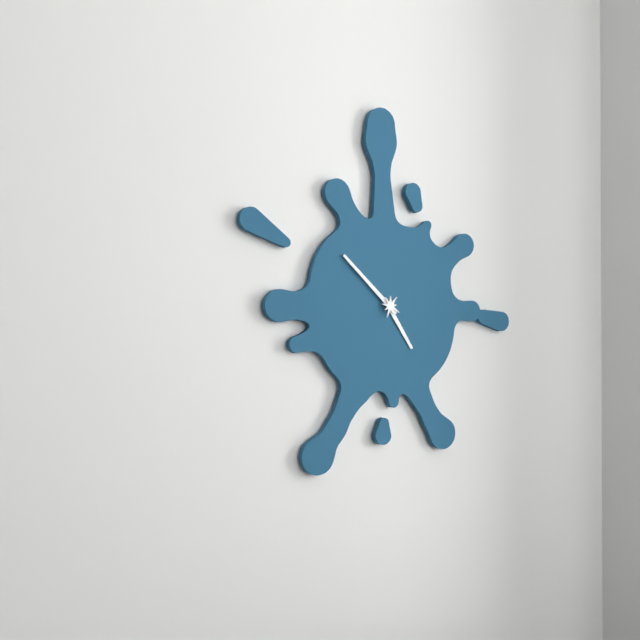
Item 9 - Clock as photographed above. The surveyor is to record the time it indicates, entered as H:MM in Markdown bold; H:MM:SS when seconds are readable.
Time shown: **4:52**
